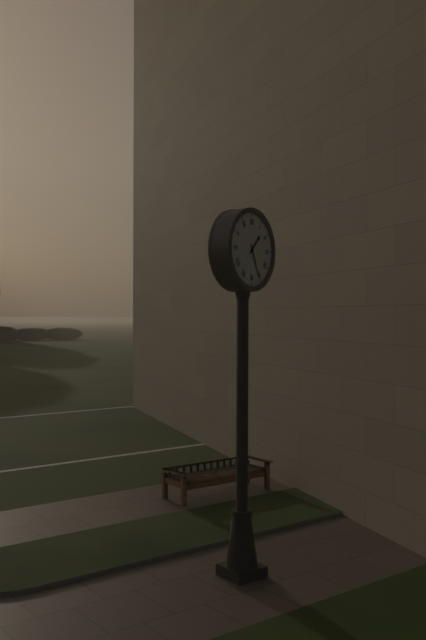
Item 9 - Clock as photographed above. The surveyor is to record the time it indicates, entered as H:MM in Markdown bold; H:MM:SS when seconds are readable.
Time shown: **1:26**
